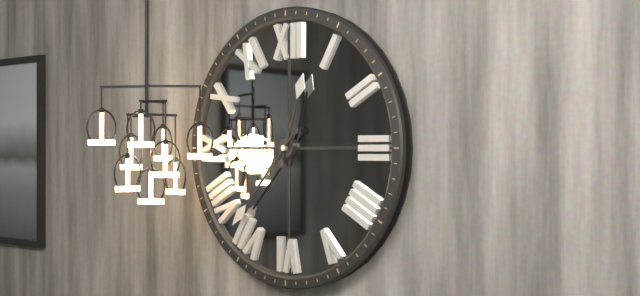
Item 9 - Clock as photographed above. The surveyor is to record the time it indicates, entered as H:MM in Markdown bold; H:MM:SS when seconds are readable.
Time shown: **12:37**
